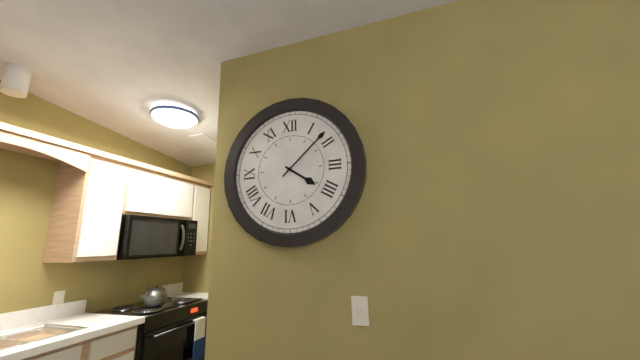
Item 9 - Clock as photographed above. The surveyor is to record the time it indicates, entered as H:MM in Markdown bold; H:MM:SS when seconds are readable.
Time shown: **4:08**
